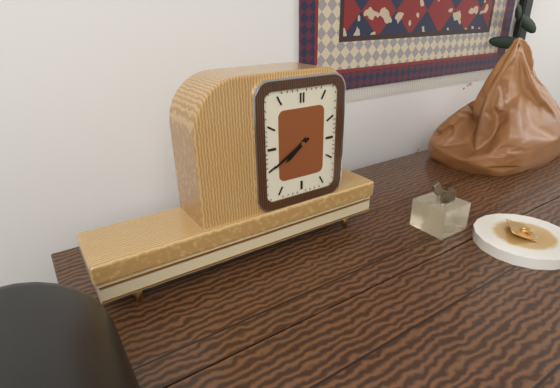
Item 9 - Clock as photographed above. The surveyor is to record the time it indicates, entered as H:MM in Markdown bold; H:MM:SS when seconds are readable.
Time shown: **7:40**
